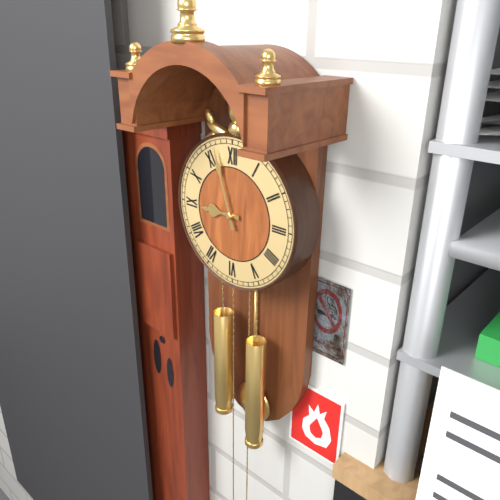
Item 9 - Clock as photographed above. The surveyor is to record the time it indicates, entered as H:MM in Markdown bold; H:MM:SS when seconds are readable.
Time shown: **8:57**
